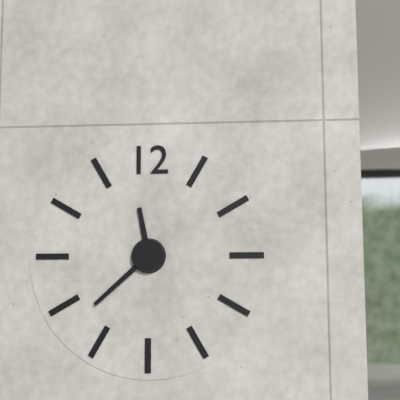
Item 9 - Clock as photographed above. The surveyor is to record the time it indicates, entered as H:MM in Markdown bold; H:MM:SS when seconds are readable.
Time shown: **11:38**
